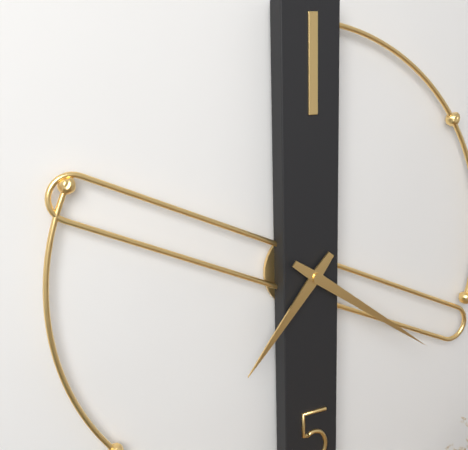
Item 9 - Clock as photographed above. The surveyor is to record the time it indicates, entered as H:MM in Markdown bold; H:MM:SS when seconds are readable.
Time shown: **7:21**
